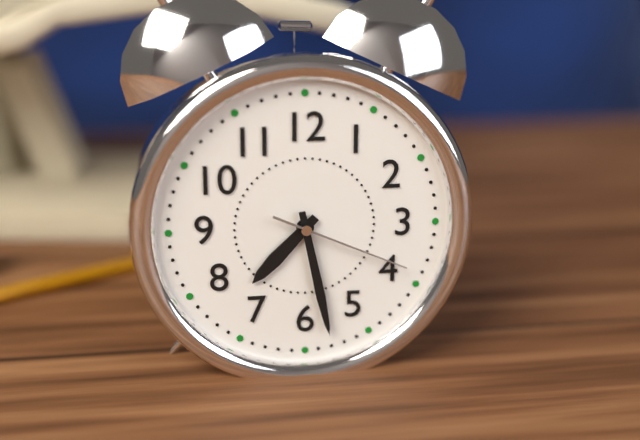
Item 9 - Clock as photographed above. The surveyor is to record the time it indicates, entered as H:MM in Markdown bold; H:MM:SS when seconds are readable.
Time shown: **7:28:19**
